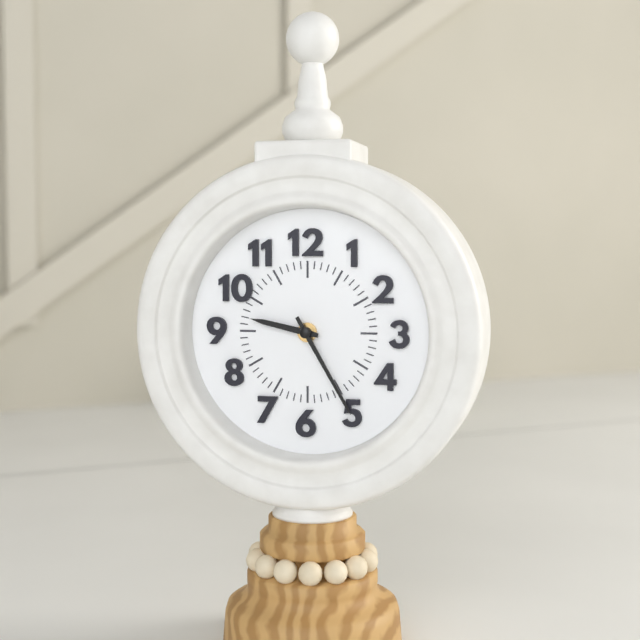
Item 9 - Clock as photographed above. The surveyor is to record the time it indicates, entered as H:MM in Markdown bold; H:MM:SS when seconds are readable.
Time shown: **9:25**
